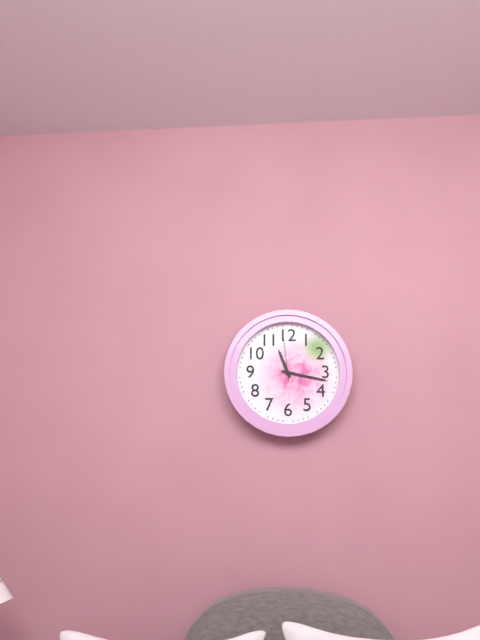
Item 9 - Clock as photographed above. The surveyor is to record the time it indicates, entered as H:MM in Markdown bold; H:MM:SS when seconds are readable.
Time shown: **11:17:59**
